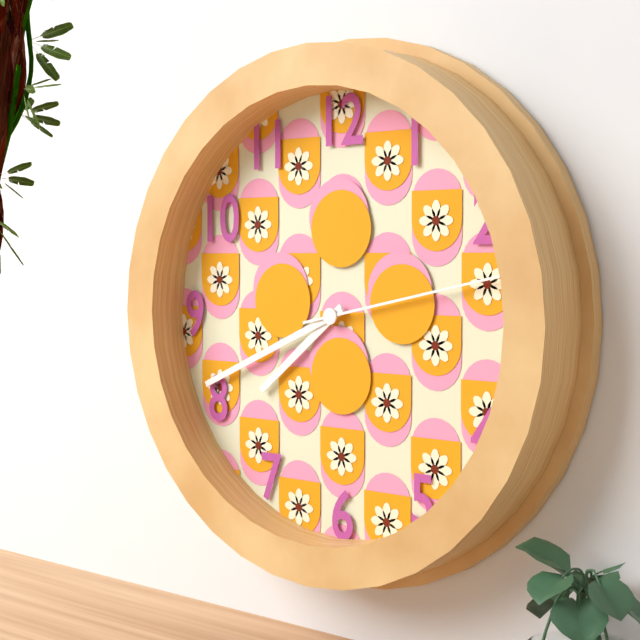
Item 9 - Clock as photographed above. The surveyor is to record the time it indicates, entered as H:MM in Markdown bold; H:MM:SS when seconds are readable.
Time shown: **7:41:13**
